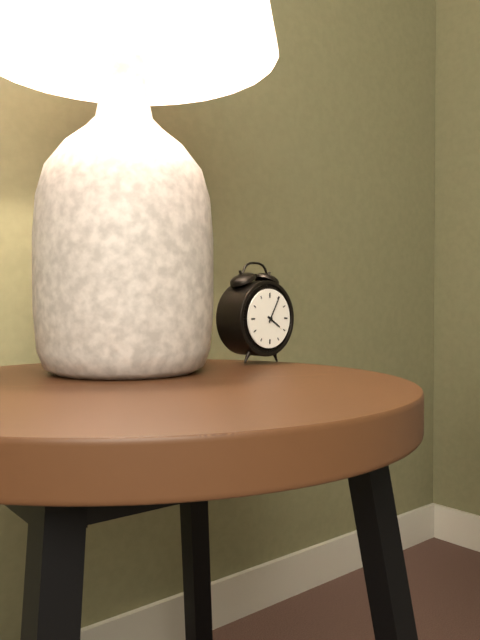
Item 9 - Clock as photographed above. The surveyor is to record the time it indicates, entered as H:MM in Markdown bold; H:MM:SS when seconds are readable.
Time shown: **4:05**
